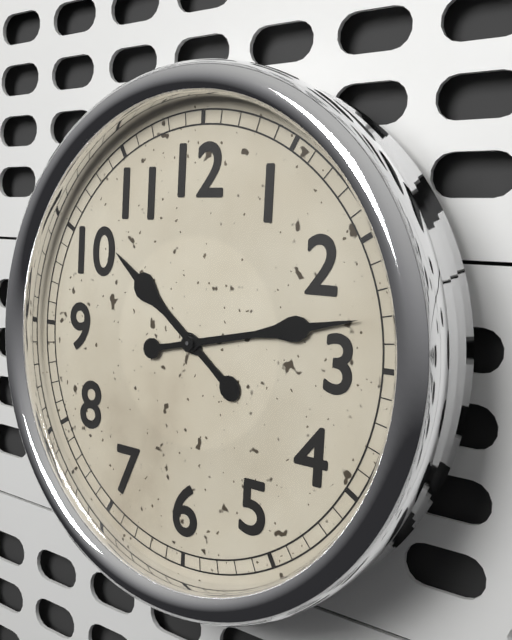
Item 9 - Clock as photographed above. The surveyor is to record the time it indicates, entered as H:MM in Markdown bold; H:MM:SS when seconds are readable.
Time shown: **10:13**
